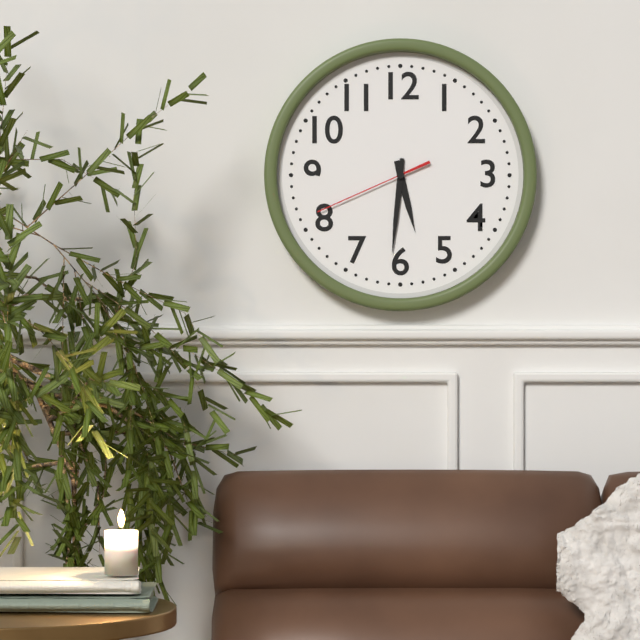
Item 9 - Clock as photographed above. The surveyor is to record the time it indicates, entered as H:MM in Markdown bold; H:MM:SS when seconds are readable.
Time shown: **5:31:41**
